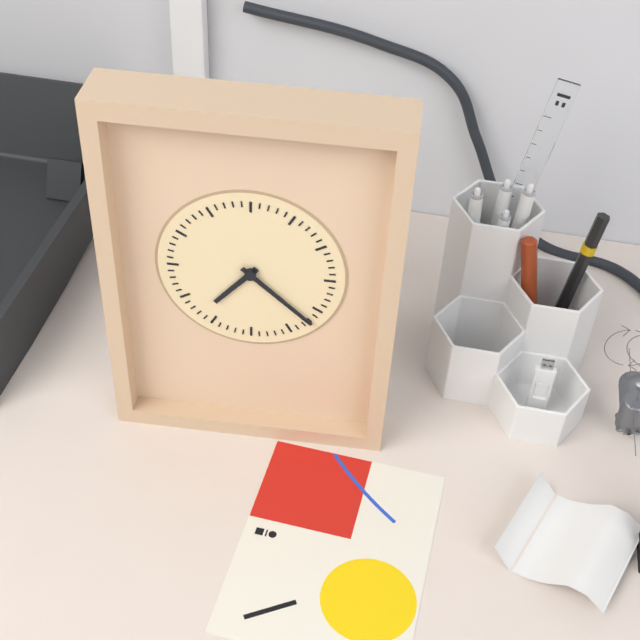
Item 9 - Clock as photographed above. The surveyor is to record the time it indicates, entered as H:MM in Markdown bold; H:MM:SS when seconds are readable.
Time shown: **7:22**
